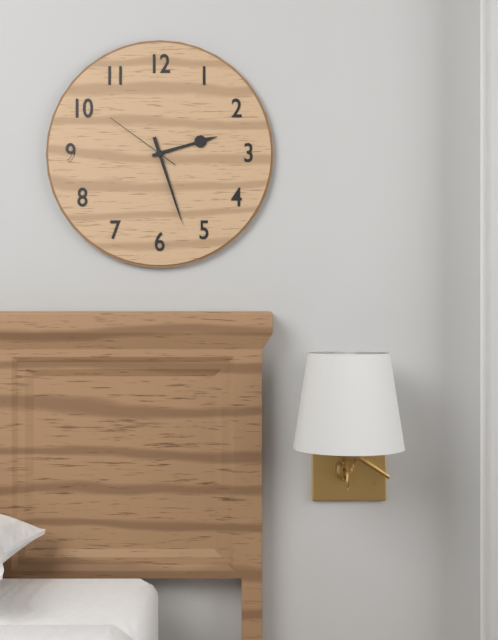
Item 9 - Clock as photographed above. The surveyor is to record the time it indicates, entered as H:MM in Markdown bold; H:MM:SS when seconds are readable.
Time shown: **2:27:51**
